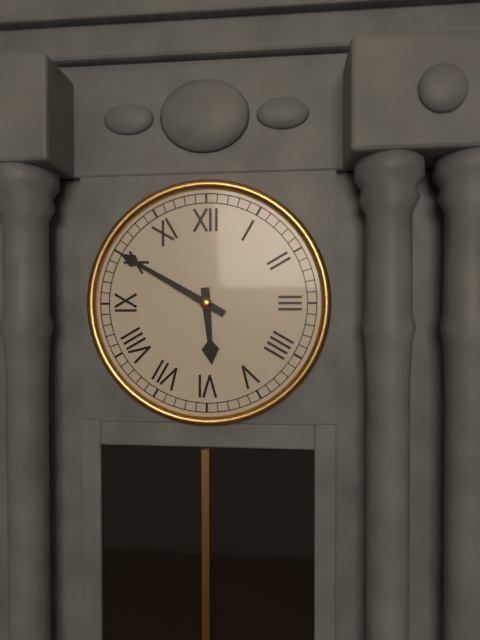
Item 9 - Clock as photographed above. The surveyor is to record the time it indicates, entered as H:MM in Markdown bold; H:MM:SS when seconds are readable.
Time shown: **5:50**
